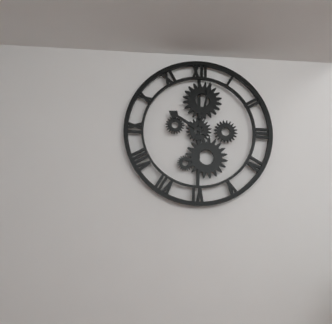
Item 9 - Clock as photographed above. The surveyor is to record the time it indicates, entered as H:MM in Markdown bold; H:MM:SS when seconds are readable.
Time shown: **10:02**
